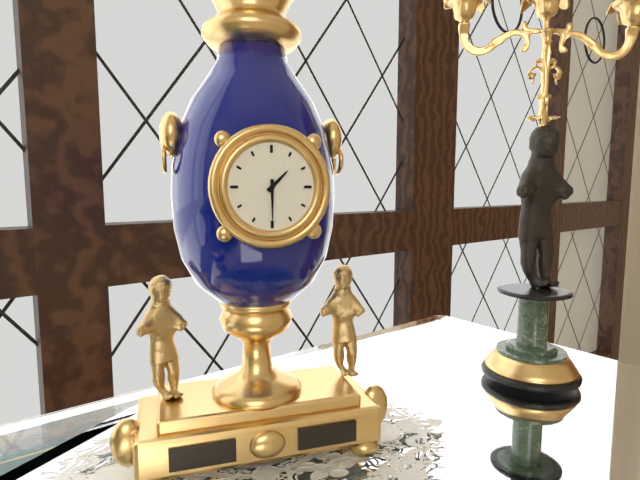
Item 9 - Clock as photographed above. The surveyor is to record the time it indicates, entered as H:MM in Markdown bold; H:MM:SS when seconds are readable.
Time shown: **1:30**
